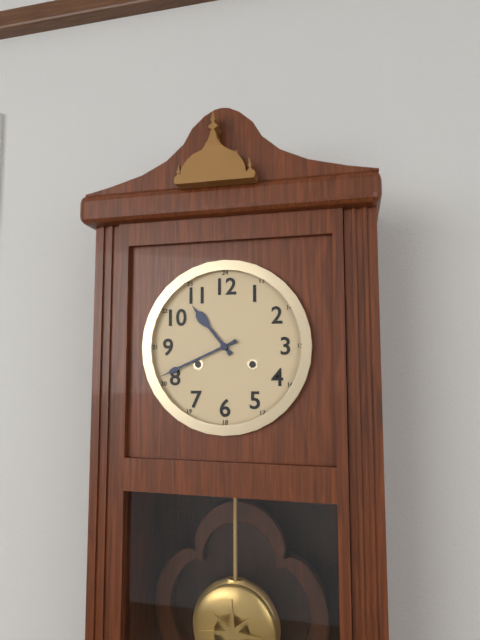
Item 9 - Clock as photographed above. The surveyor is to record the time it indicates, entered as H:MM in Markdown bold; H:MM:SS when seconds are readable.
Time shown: **10:41**
